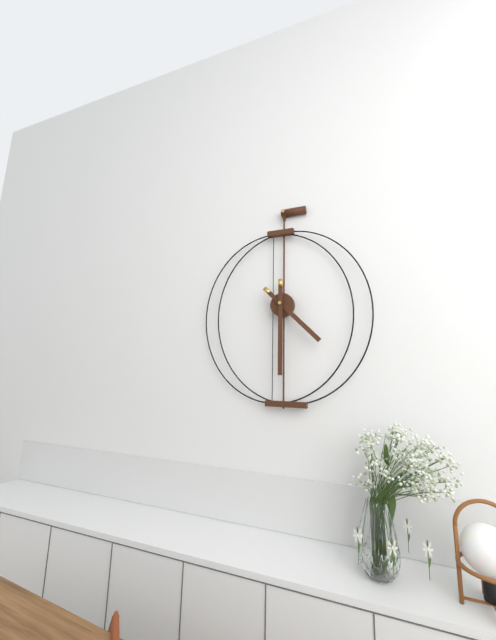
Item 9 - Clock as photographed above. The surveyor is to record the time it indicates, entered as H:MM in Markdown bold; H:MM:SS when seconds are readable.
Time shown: **4:30**
